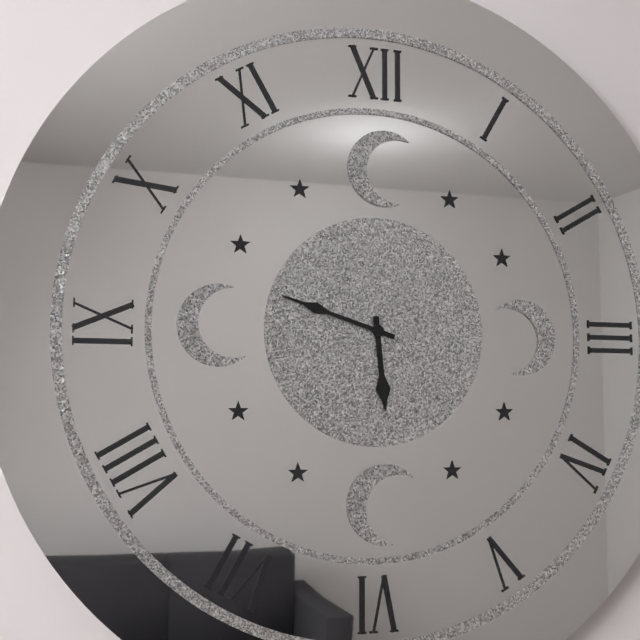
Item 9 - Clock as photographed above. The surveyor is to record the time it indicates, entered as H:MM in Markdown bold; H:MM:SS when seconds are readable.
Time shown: **5:48**
